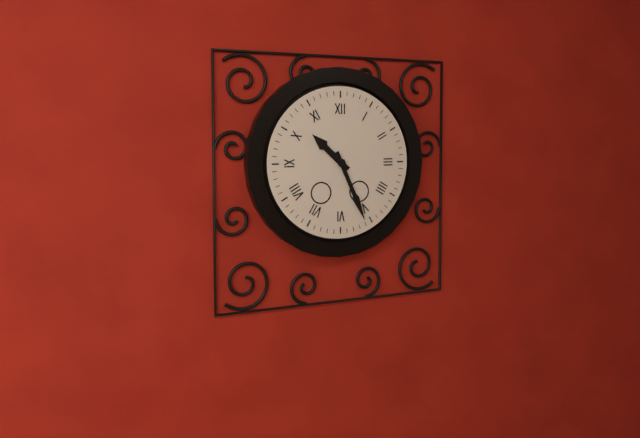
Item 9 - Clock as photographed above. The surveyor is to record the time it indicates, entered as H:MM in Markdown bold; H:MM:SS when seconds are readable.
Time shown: **10:26**
